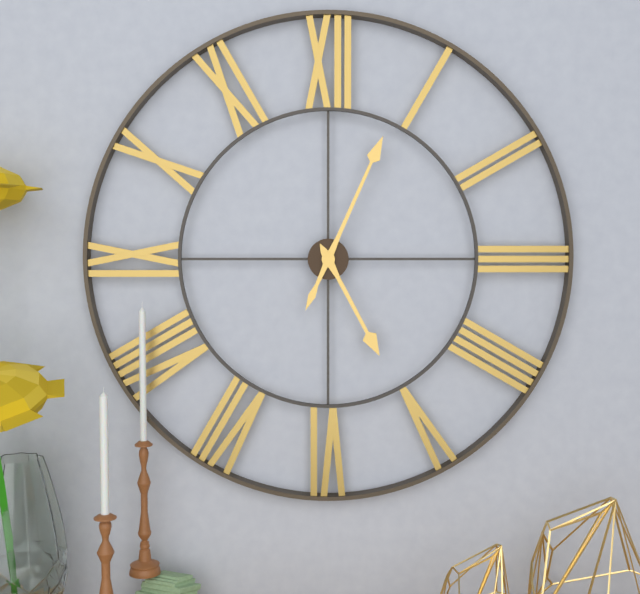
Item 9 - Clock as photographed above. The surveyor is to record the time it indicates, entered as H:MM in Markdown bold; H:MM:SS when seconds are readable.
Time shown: **5:04**
